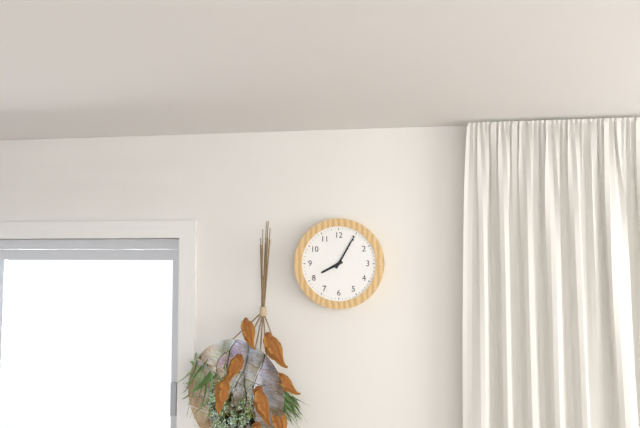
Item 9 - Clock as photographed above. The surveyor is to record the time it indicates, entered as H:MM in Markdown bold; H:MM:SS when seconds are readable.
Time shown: **8:05**
